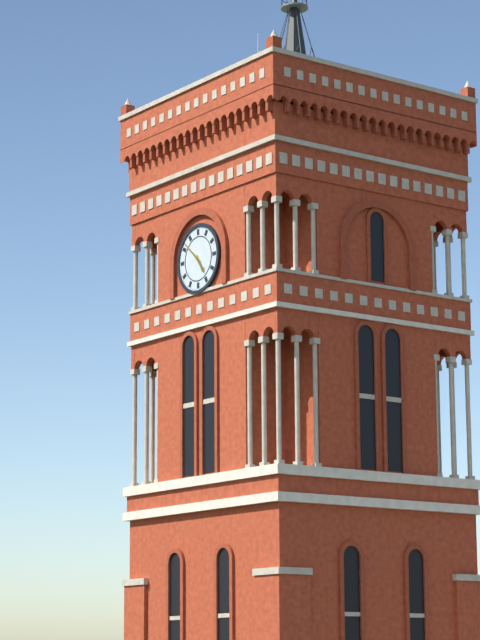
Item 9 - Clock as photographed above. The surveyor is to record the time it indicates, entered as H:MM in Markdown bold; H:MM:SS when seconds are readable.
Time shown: **4:52**
